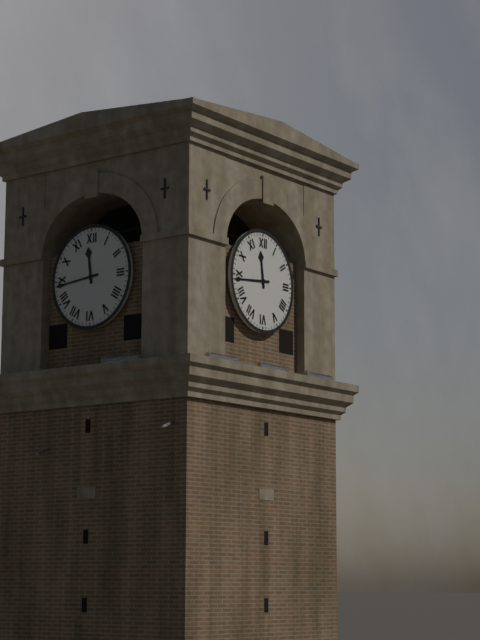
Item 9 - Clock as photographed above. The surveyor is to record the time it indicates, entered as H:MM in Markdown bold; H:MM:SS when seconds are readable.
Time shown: **11:44**
